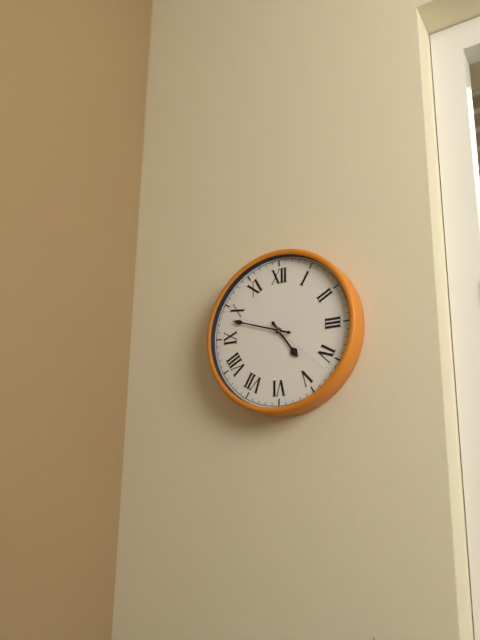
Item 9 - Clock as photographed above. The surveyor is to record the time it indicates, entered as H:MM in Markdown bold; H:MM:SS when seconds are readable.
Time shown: **4:48:22**
